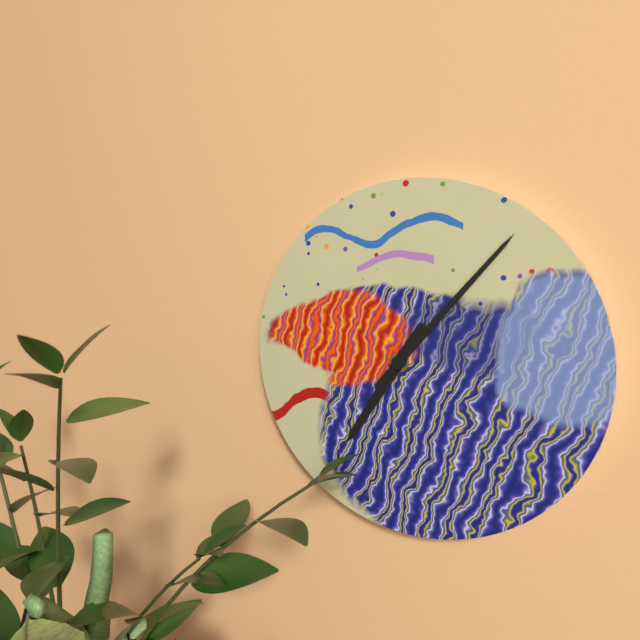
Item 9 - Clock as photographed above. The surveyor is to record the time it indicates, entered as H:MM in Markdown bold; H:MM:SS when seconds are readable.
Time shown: **7:07**
